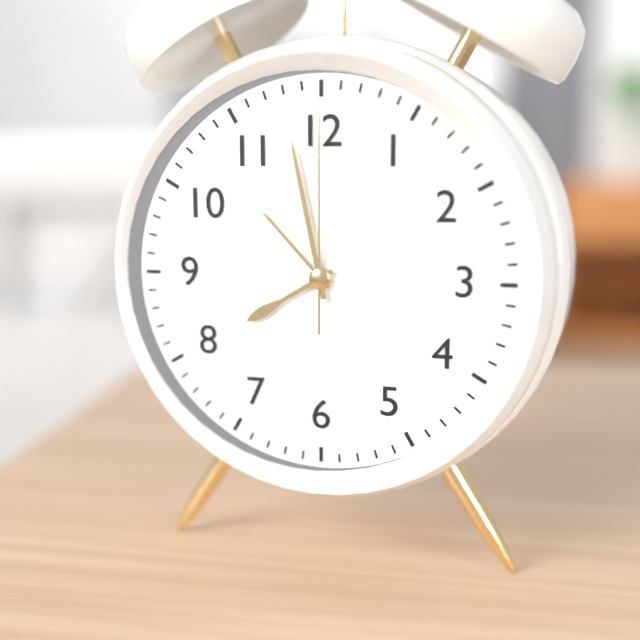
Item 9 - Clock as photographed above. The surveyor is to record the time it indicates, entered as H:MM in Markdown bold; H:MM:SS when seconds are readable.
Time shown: **7:58:00**
